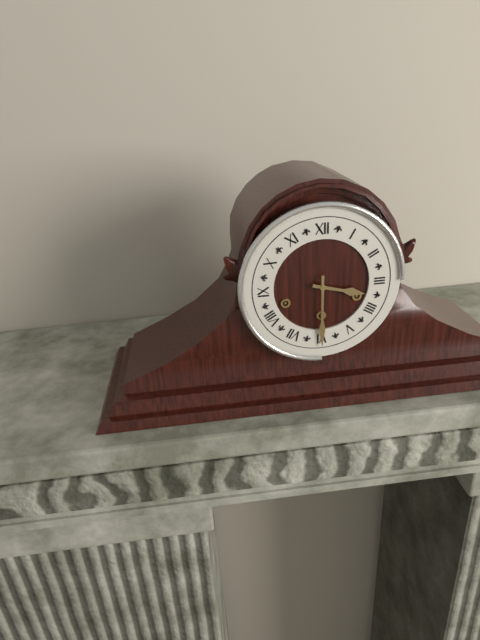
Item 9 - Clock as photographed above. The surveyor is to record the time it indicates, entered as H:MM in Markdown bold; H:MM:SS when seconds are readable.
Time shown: **3:30**
